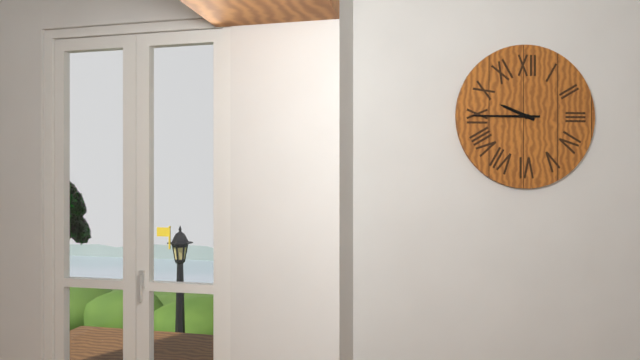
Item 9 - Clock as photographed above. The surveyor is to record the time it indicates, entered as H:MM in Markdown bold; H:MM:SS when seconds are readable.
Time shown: **9:45**
